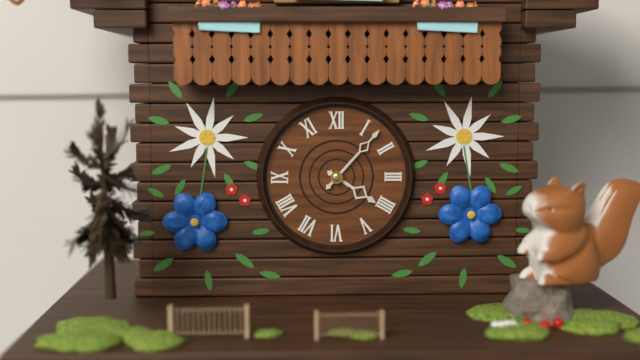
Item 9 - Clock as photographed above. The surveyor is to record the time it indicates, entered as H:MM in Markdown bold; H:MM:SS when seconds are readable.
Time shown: **4:07**
